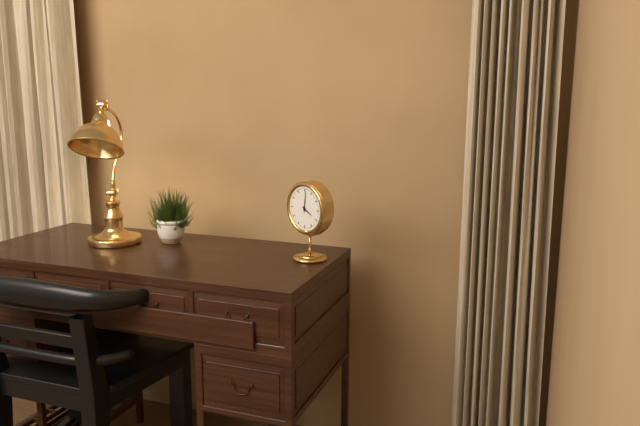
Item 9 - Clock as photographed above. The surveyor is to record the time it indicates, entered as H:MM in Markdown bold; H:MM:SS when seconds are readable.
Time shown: **4:01**
